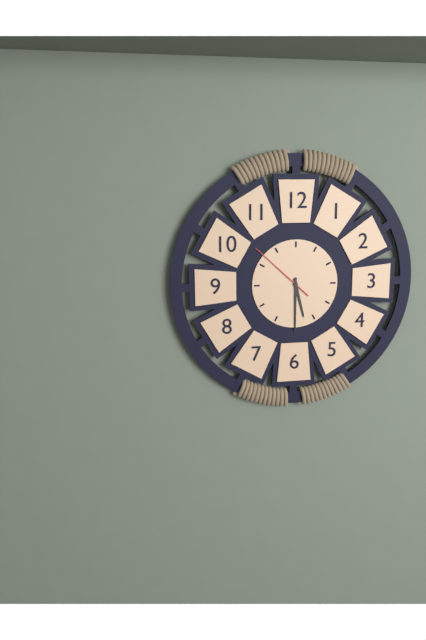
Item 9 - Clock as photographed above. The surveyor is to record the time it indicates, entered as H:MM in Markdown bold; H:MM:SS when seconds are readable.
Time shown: **5:30:52**
